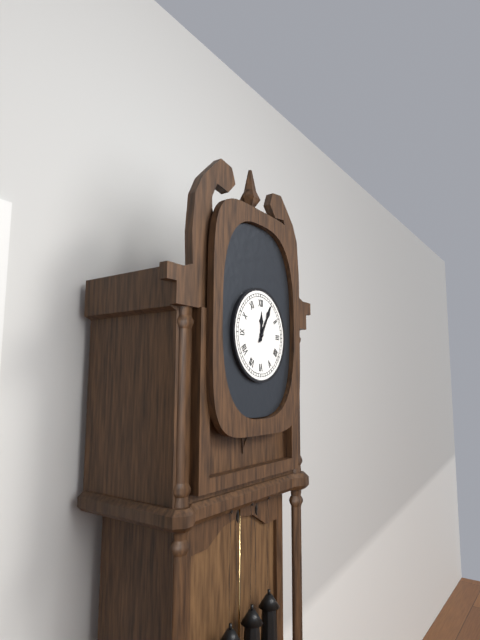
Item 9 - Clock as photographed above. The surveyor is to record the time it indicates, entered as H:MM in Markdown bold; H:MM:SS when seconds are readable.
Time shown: **12:05**
